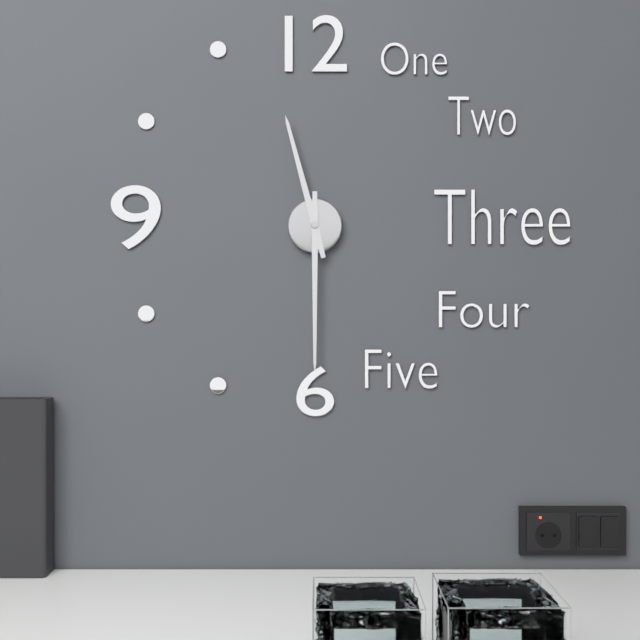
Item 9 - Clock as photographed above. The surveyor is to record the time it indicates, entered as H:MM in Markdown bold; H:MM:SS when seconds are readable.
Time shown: **11:30**
